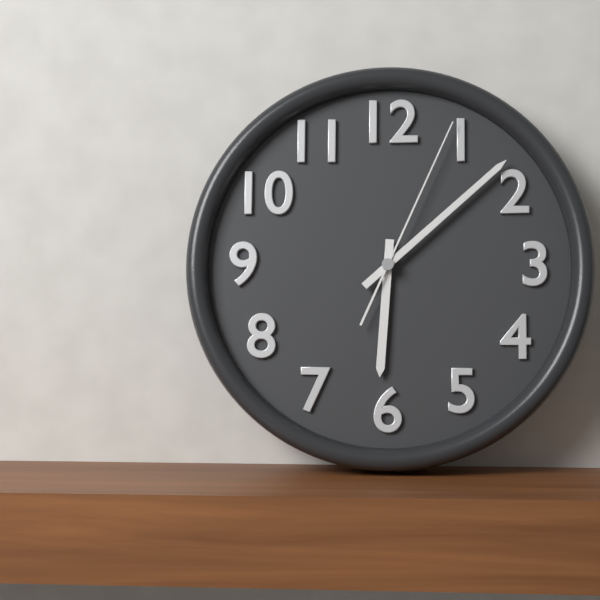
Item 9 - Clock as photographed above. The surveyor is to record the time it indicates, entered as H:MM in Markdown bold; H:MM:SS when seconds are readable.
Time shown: **6:08:04**
